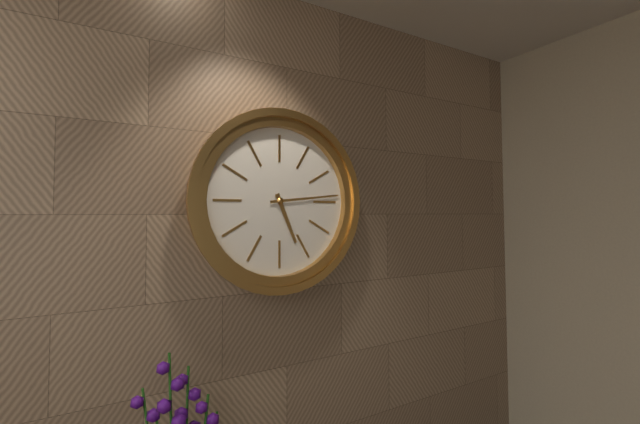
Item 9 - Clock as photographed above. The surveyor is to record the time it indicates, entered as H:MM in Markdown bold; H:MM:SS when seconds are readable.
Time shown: **5:14**
